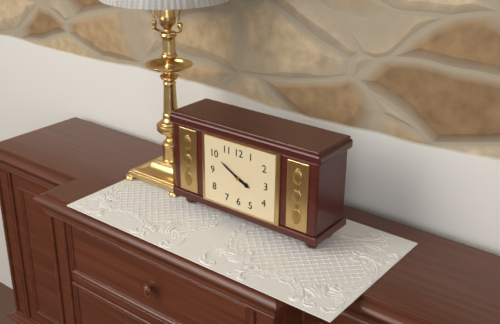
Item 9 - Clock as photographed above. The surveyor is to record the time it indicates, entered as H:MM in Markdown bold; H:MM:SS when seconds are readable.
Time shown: **3:50**
